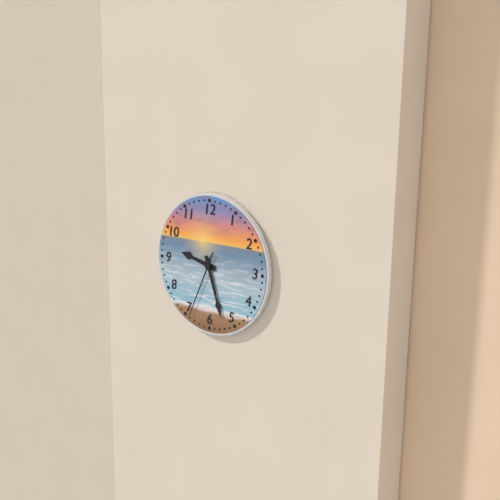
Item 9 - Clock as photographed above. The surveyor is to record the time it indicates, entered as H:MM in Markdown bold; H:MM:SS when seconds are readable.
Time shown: **9:27:34**
